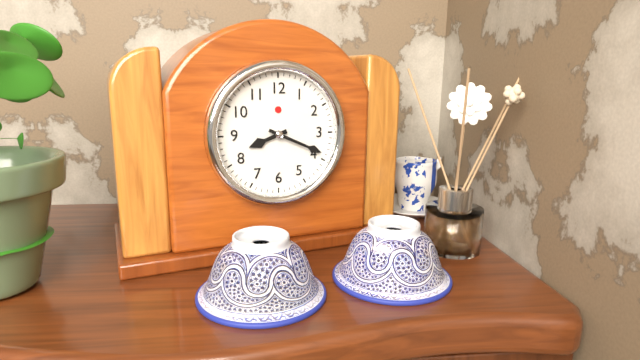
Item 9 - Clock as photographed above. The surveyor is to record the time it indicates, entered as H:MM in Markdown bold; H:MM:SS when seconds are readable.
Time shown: **8:19**
